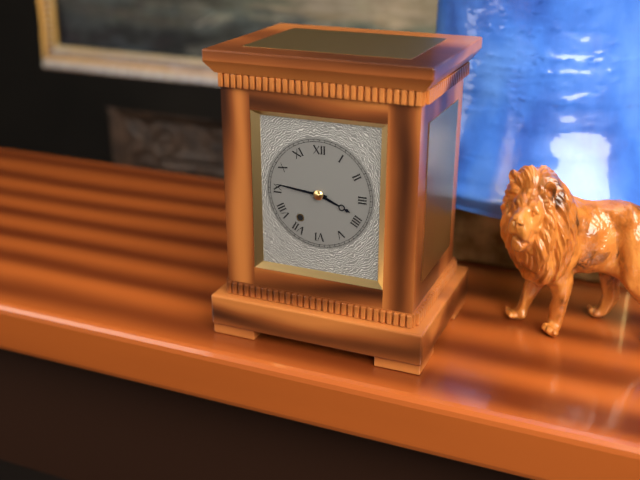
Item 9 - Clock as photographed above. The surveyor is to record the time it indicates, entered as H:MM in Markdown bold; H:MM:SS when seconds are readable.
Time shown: **3:46**
